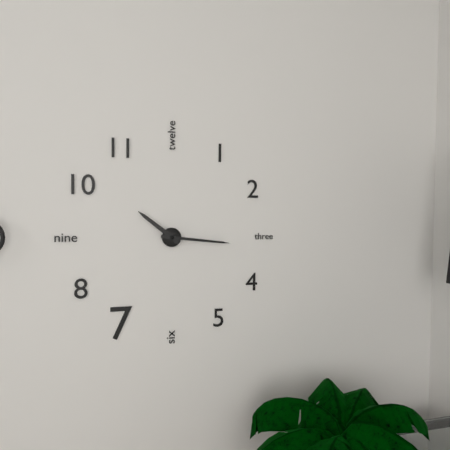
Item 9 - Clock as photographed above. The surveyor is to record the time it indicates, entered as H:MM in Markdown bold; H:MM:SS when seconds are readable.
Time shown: **10:16**
